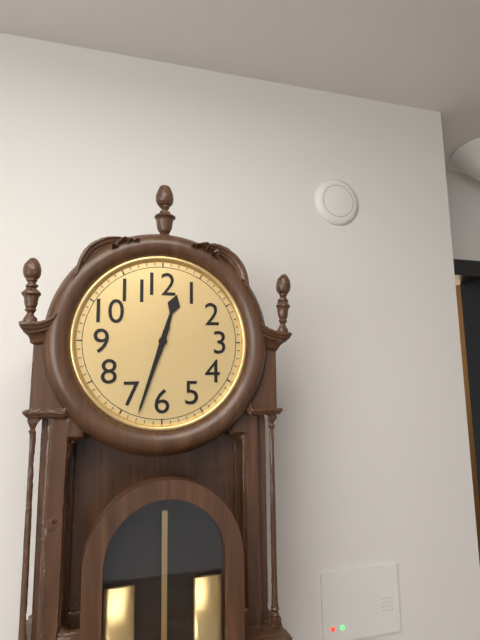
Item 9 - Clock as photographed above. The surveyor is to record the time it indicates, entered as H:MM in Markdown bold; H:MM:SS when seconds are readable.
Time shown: **12:33**
